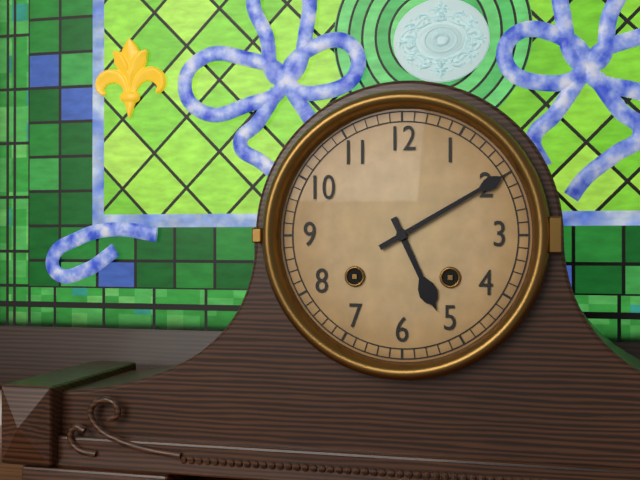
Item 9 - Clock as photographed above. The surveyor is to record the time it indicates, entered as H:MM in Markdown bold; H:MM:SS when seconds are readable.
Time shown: **5:10**
